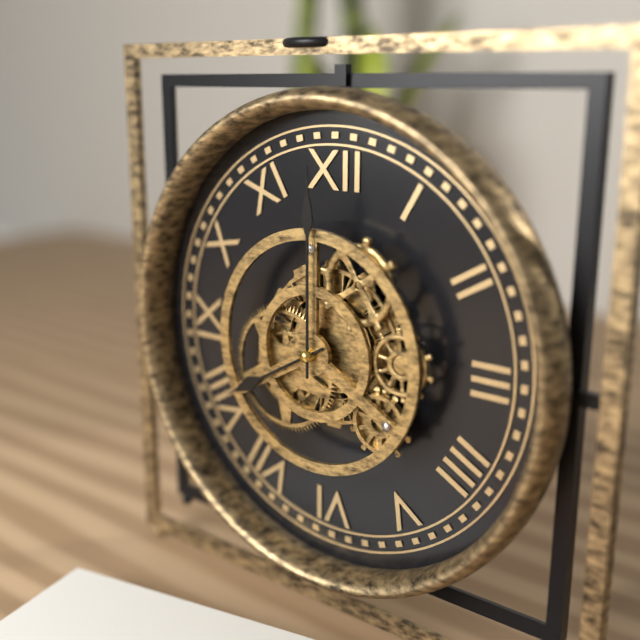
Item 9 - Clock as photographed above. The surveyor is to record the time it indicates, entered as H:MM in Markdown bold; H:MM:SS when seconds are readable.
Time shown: **8:00**
